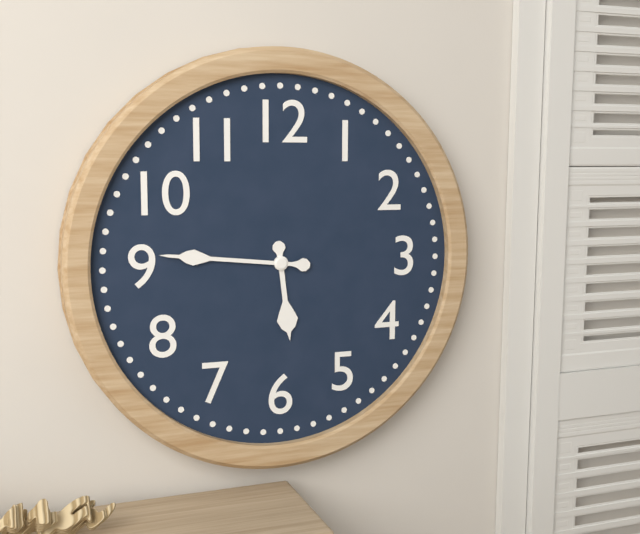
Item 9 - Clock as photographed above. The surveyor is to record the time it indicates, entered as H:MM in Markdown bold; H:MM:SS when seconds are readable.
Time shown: **5:46**
